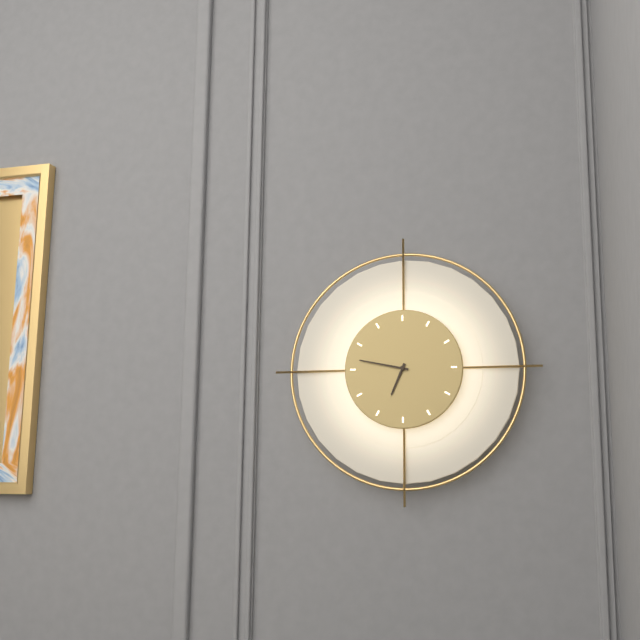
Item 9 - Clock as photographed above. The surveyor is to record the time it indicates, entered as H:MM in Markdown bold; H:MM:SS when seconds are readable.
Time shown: **6:47**
